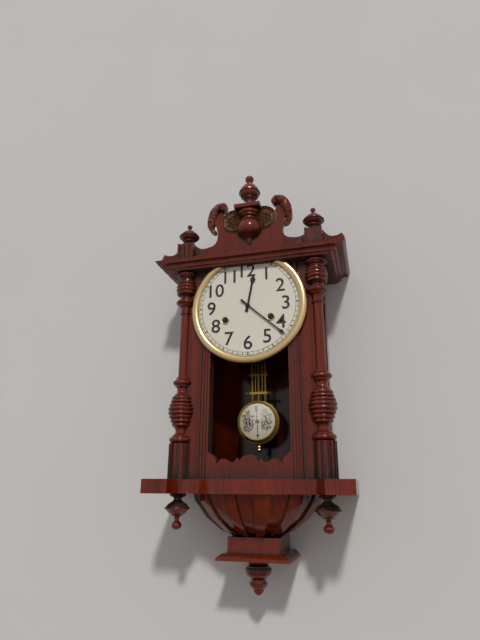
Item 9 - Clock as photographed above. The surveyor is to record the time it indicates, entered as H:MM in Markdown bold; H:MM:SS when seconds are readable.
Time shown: **12:22**
